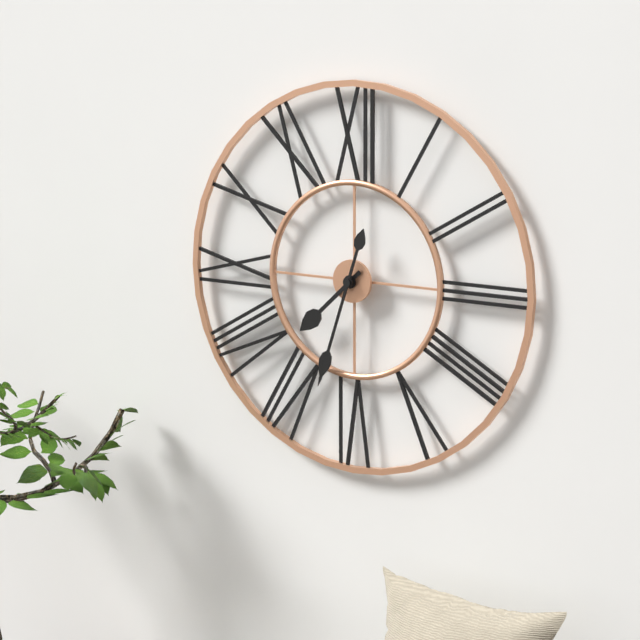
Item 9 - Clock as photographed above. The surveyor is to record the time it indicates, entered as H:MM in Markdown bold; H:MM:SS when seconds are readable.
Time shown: **7:33**
